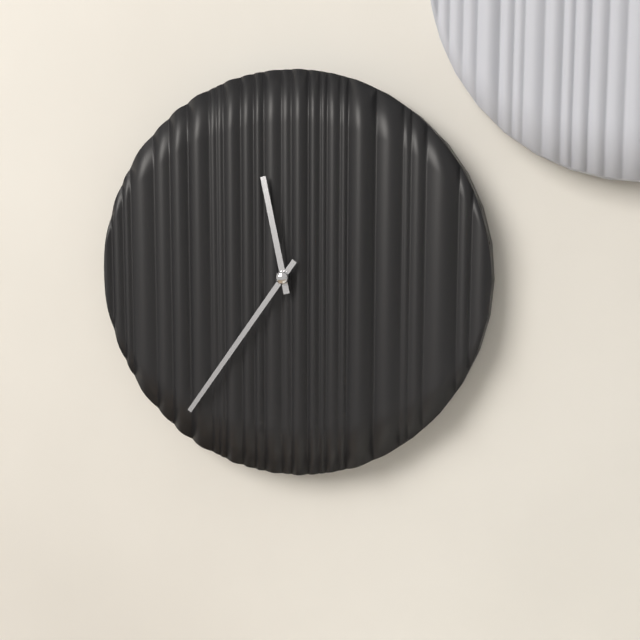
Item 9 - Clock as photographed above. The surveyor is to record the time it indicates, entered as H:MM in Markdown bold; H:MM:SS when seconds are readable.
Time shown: **11:36**
